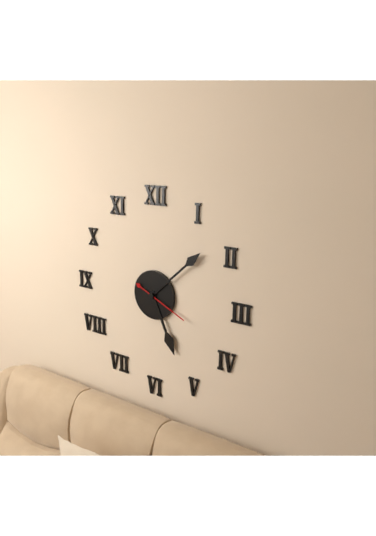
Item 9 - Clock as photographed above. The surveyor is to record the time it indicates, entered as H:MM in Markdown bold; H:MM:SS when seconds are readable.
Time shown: **5:08**
